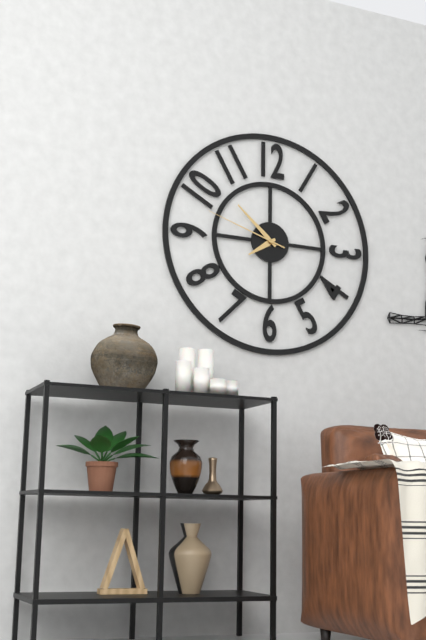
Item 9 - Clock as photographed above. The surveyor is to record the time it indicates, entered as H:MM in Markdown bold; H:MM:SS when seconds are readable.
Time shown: **7:52:48**
